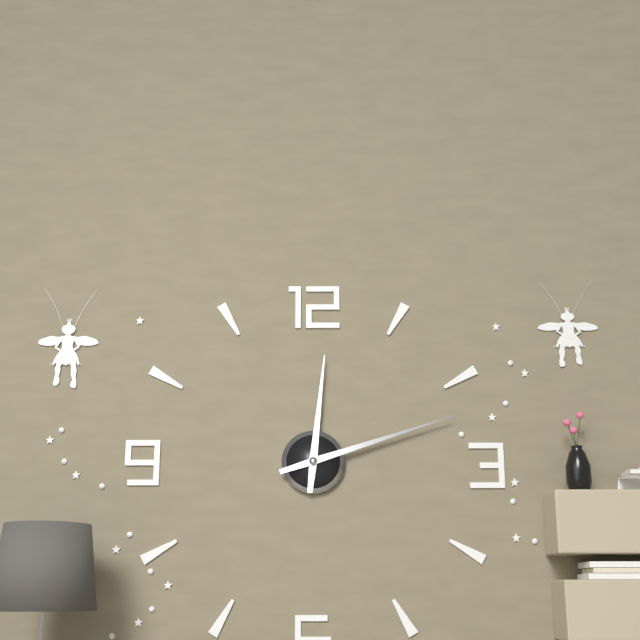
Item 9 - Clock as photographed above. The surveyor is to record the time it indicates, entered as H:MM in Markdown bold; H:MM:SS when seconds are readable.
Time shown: **12:12**
